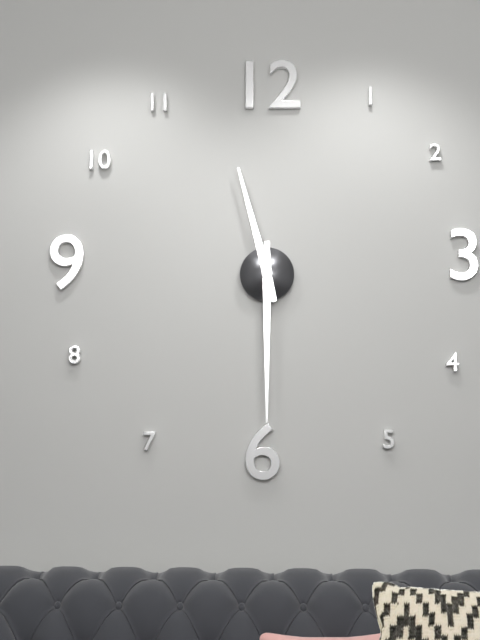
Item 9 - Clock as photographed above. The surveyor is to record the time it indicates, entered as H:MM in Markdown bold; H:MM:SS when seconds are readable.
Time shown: **11:30**
